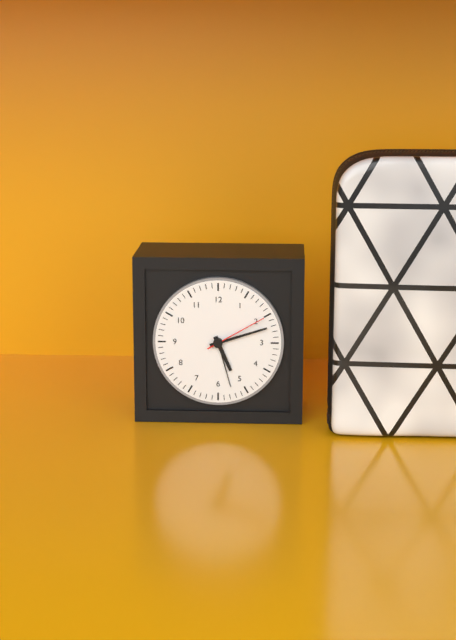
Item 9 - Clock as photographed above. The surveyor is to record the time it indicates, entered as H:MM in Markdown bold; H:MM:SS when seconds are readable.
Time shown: **5:12:10**
